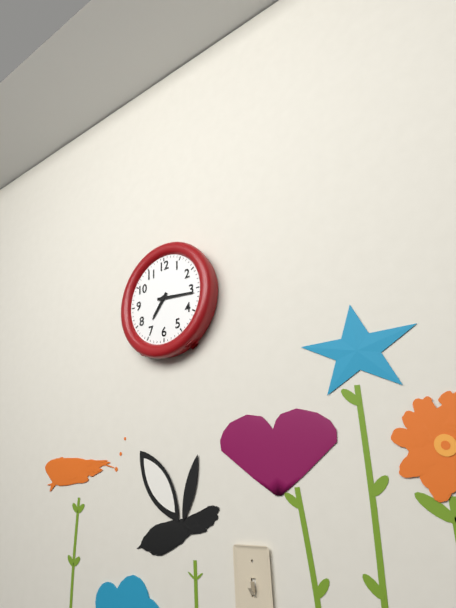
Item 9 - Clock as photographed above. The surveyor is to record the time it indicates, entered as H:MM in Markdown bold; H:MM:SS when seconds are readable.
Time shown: **7:16**
